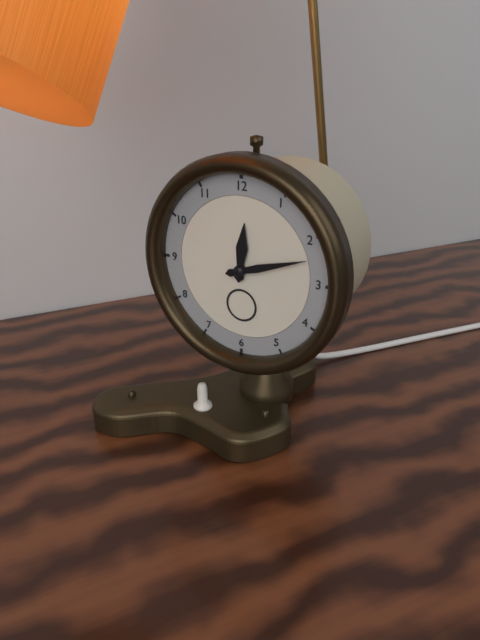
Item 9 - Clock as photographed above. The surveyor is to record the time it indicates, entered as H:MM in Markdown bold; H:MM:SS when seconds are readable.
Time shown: **12:12**
